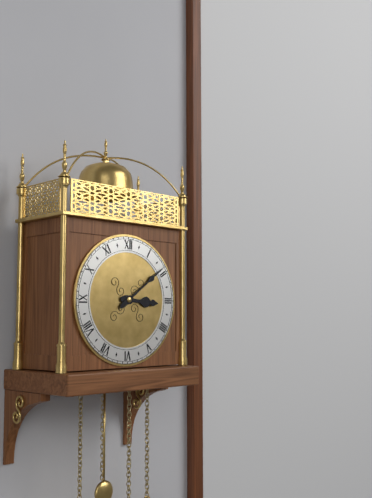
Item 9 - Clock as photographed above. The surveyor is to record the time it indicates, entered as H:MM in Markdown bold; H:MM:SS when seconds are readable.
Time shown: **3:09**
